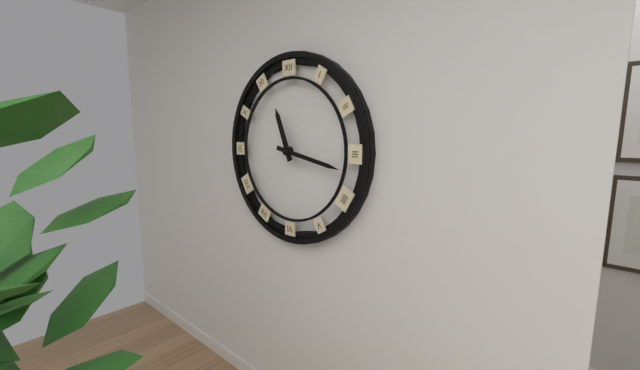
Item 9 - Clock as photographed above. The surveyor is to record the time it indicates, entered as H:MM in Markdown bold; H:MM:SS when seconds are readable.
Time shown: **11:17**
